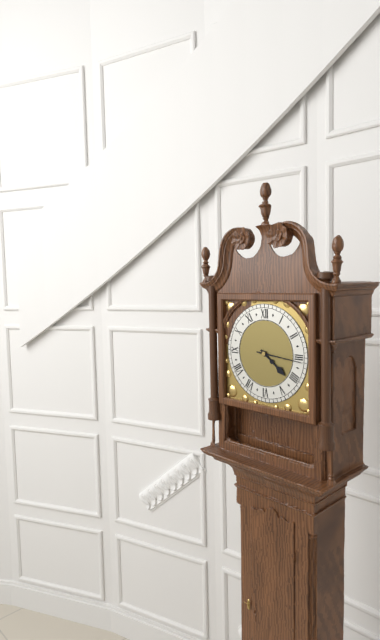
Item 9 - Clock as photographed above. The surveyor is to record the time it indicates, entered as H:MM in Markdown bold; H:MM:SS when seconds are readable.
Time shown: **4:16**
